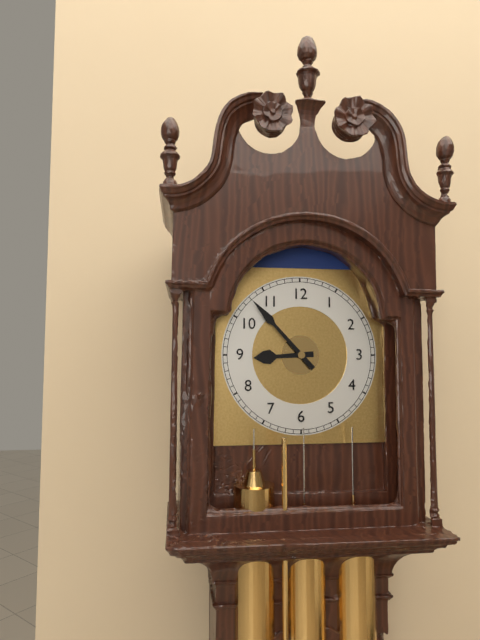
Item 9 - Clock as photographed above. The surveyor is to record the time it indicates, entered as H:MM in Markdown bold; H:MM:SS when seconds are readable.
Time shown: **8:53**
